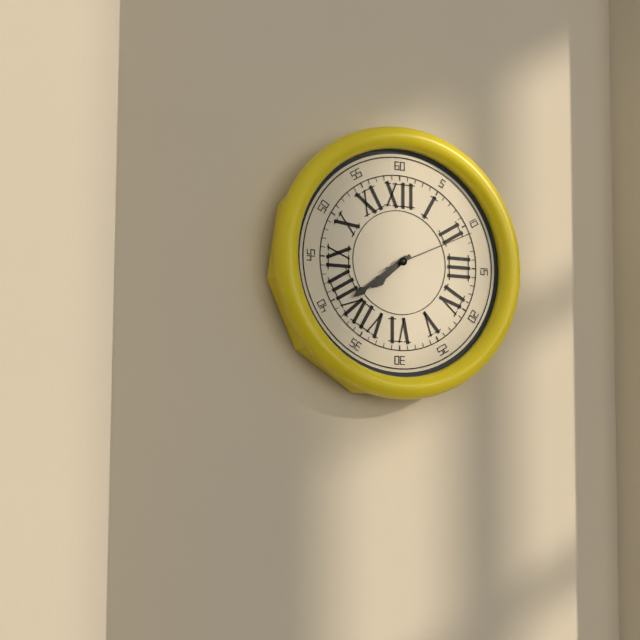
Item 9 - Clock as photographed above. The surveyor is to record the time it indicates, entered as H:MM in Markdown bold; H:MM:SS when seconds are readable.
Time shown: **7:39:11**
